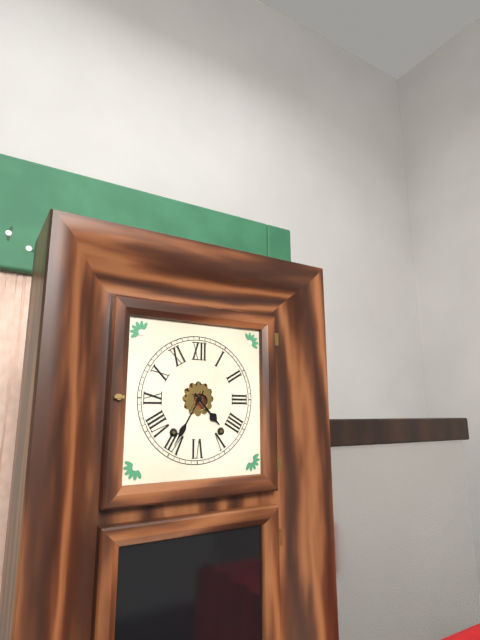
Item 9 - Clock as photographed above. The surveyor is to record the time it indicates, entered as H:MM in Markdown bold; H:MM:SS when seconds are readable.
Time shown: **4:35**
